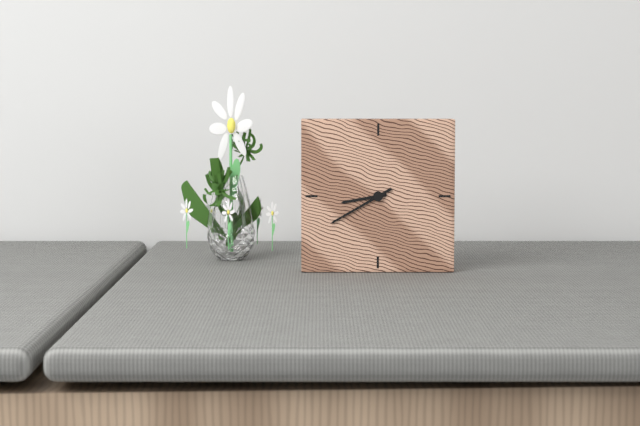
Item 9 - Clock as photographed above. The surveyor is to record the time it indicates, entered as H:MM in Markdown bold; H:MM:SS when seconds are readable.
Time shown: **8:40**
